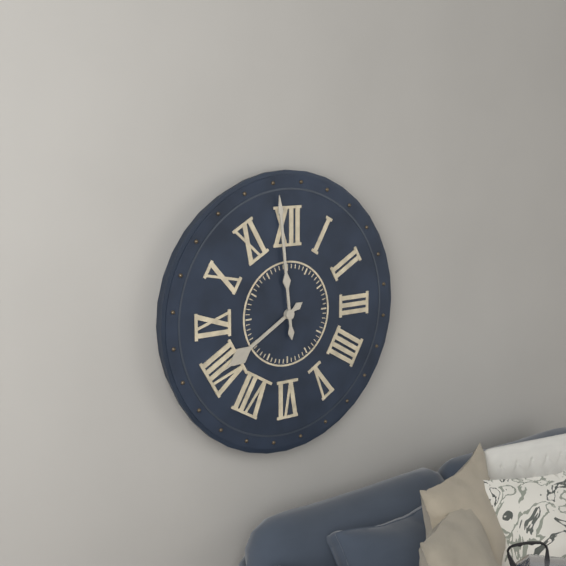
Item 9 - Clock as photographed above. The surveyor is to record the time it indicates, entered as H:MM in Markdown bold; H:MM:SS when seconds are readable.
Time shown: **7:59**
